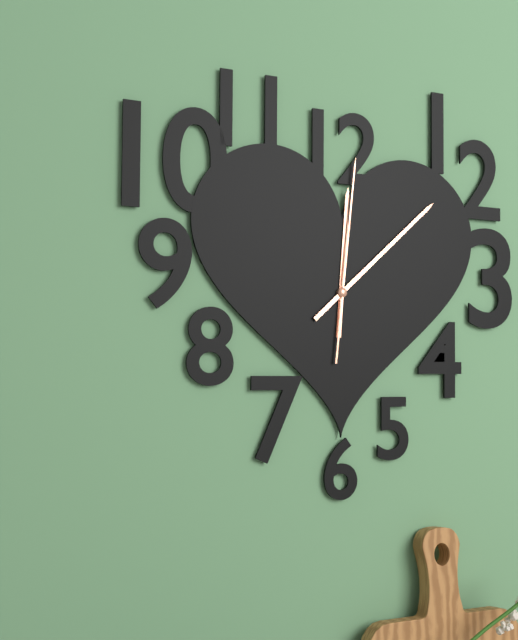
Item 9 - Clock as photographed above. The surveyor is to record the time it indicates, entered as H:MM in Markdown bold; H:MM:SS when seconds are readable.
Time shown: **12:08:01**
